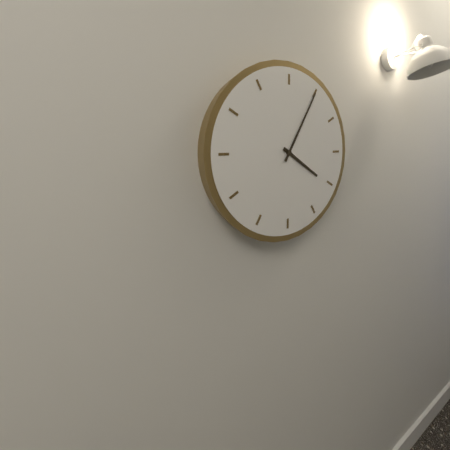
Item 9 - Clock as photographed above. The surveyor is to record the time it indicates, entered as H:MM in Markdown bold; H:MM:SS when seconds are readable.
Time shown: **4:05**
